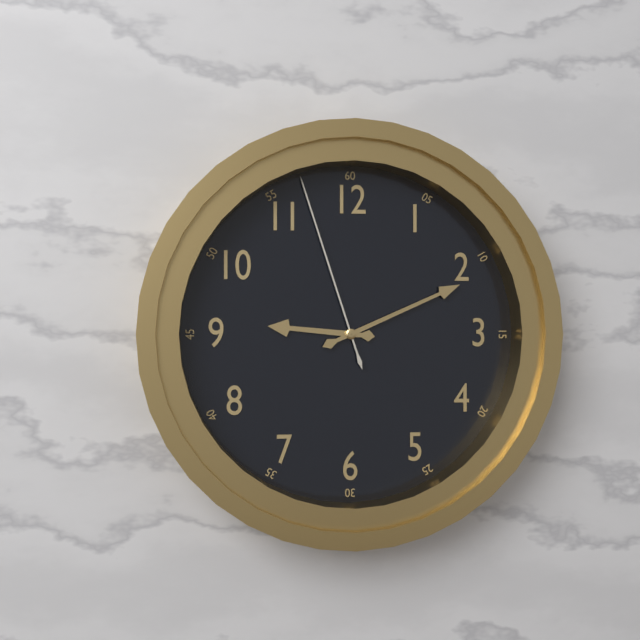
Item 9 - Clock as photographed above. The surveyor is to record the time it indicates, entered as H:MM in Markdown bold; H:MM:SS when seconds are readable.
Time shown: **9:11:57**
